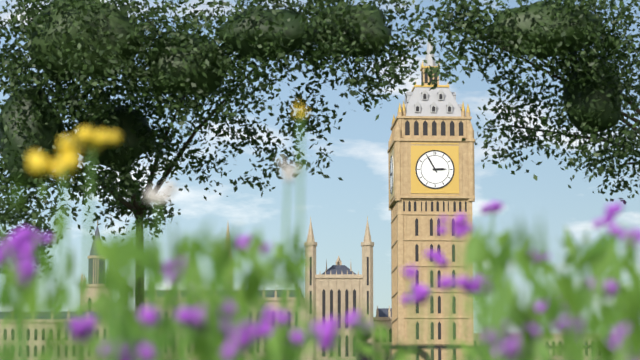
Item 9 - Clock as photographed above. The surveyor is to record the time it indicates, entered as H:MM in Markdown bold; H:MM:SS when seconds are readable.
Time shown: **2:55**
